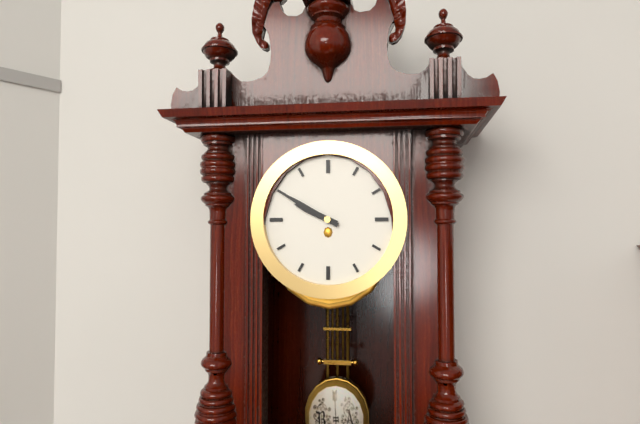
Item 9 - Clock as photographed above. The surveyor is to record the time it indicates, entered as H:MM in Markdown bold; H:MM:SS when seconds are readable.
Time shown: **9:50**
